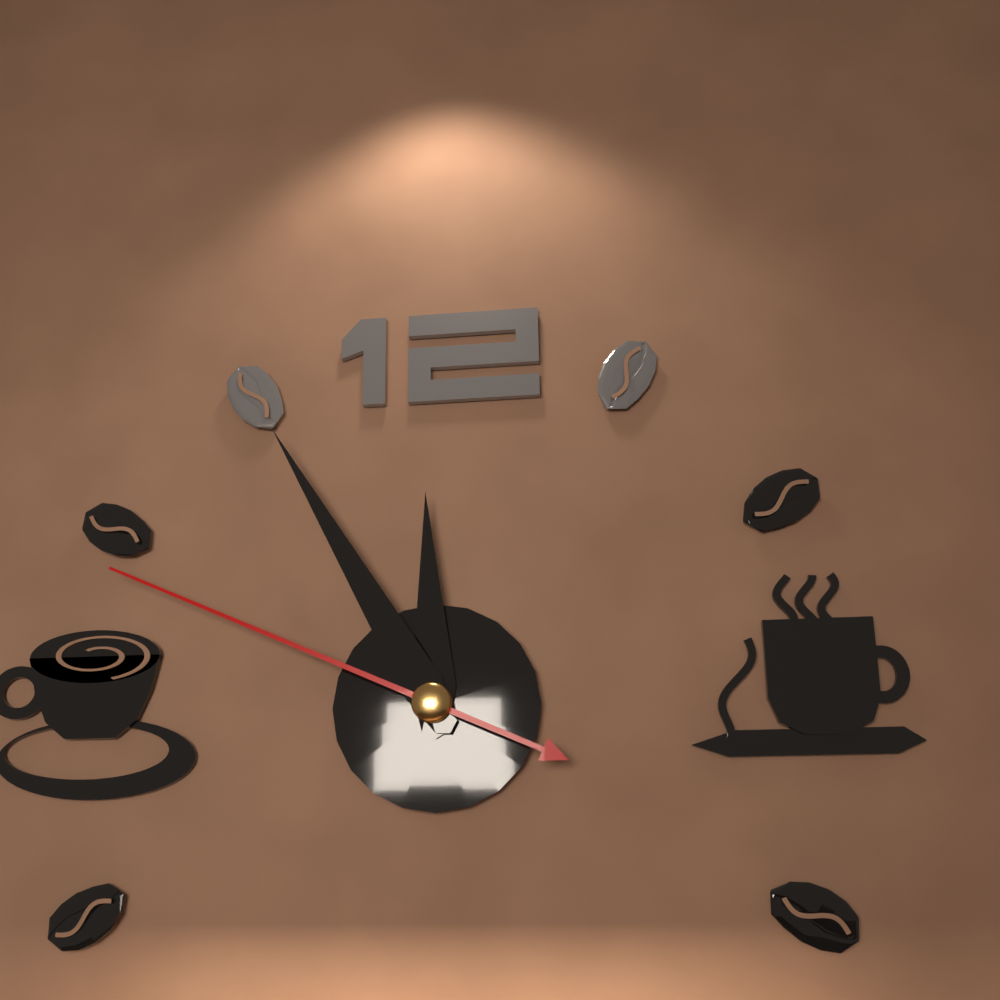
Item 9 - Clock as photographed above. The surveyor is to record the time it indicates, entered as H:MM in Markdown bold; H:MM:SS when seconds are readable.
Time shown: **11:55:49**
